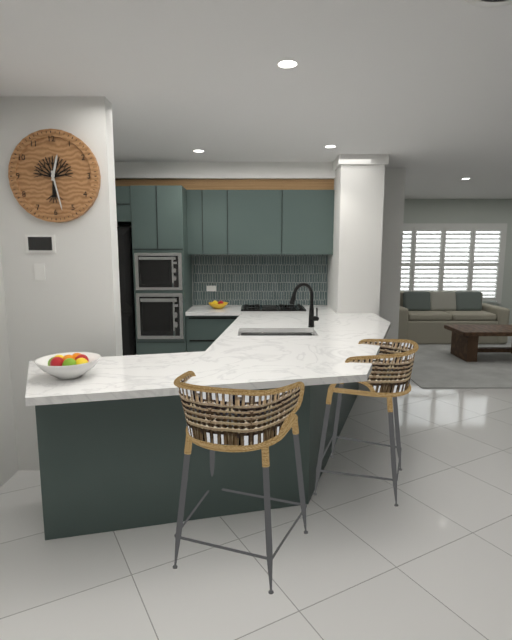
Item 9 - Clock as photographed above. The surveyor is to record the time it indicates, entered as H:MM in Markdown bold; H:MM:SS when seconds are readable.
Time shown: **12:28**
